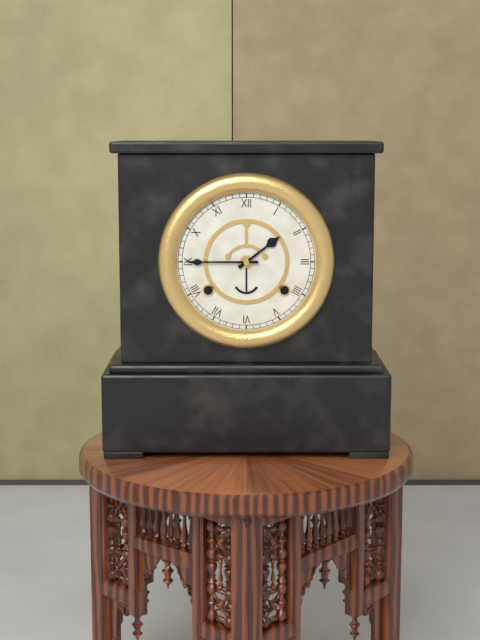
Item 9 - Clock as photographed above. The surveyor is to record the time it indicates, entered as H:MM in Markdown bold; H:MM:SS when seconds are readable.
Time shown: **1:45**
